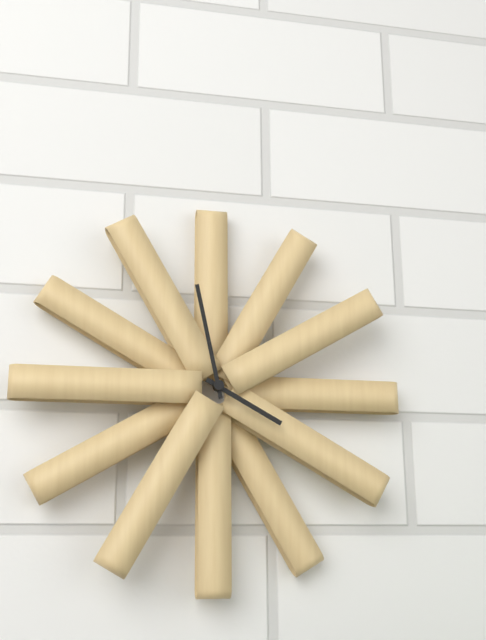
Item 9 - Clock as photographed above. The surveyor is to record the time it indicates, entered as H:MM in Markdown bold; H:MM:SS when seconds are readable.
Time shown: **3:58**
